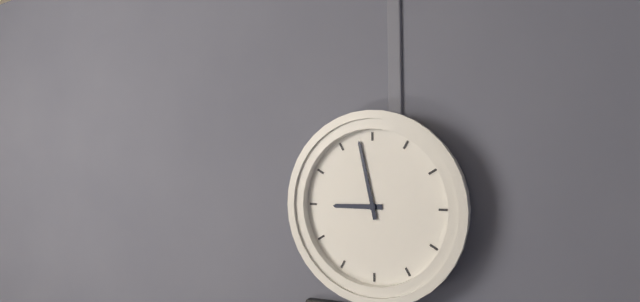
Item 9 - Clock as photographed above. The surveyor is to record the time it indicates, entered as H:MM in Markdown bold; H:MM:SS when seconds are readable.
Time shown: **8:58**
